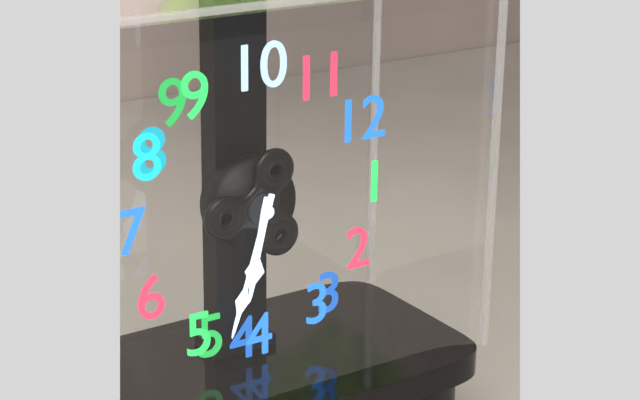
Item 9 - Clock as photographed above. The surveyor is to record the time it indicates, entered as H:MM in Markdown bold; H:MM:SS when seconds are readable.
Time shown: **4:23**
